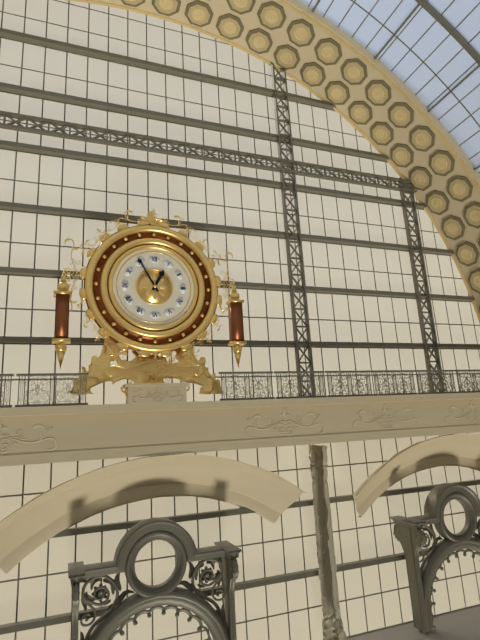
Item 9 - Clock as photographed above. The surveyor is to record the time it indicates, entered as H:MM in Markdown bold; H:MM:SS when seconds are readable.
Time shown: **12:55**
